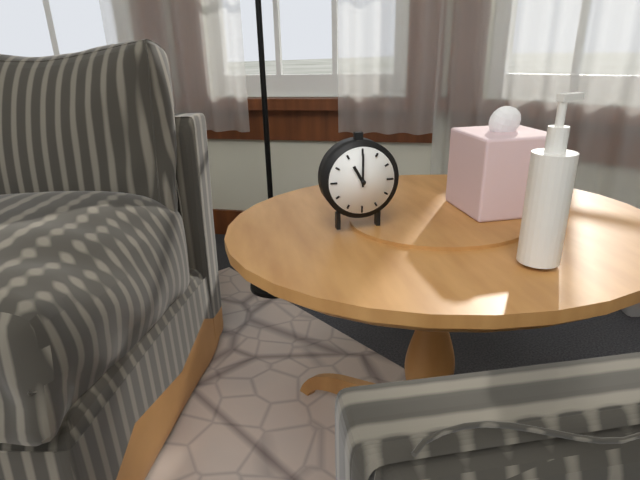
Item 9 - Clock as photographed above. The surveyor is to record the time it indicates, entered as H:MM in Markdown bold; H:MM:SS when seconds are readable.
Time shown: **11:00**
